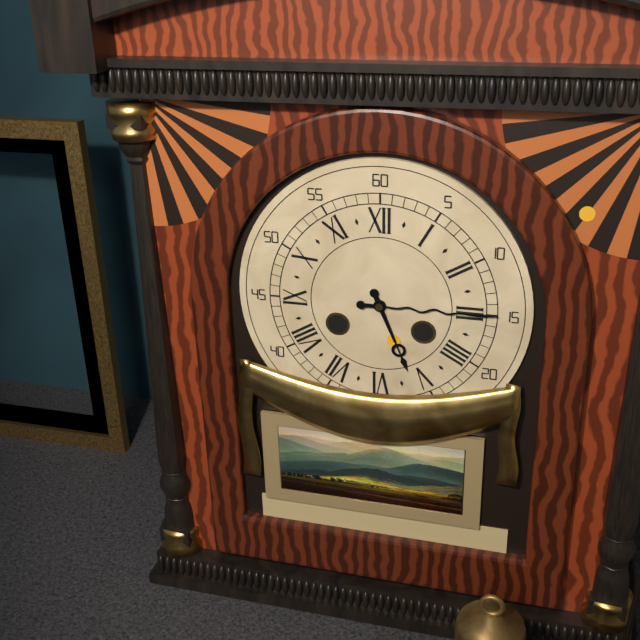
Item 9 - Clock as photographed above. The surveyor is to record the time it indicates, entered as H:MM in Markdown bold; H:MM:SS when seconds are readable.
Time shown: **5:15**
